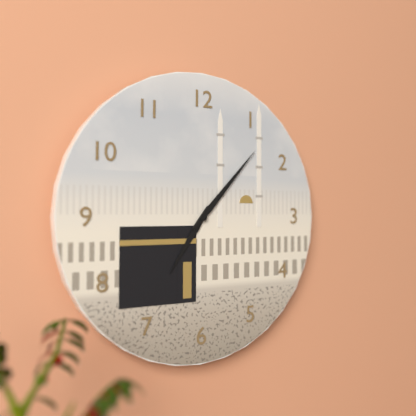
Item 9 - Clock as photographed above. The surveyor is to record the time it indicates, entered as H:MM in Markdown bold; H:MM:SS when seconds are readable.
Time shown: **7:07**
